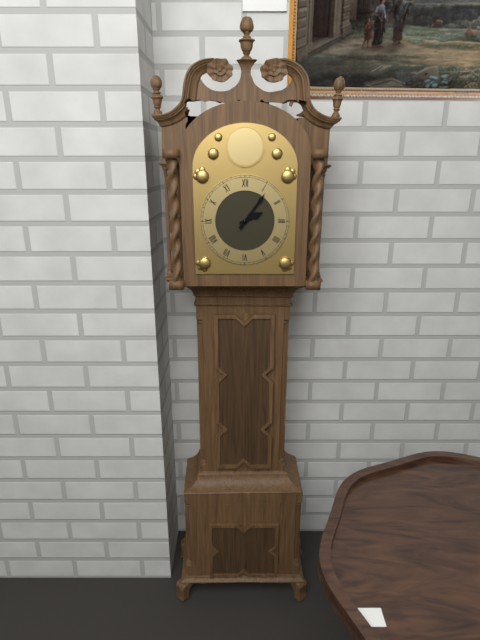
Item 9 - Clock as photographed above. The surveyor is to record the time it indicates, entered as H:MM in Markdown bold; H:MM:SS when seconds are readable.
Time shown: **2:06**
